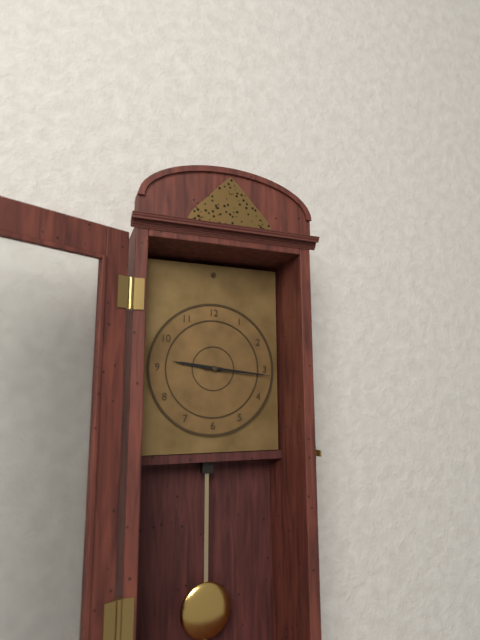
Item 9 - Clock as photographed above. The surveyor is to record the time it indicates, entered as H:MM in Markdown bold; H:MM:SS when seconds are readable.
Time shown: **9:16**
